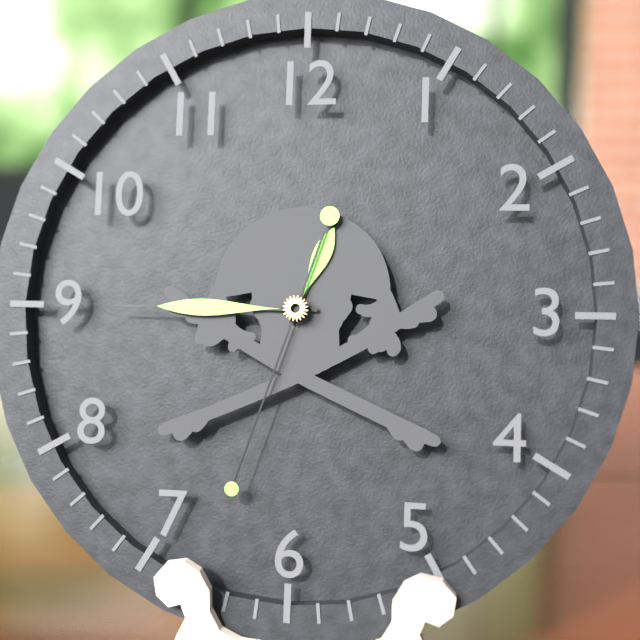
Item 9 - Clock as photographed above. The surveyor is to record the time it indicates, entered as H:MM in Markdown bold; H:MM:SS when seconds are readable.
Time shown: **12:45:33**
